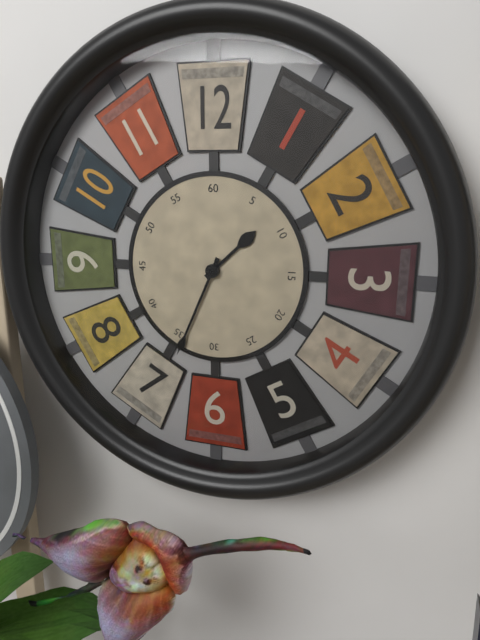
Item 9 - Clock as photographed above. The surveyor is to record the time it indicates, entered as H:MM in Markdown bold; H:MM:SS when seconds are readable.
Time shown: **1:34**
